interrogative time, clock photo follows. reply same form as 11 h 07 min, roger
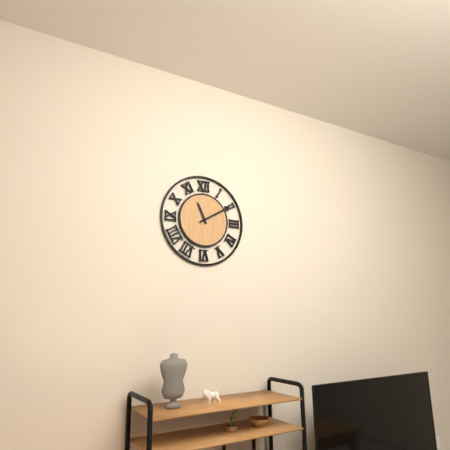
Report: 11 h 10 min
